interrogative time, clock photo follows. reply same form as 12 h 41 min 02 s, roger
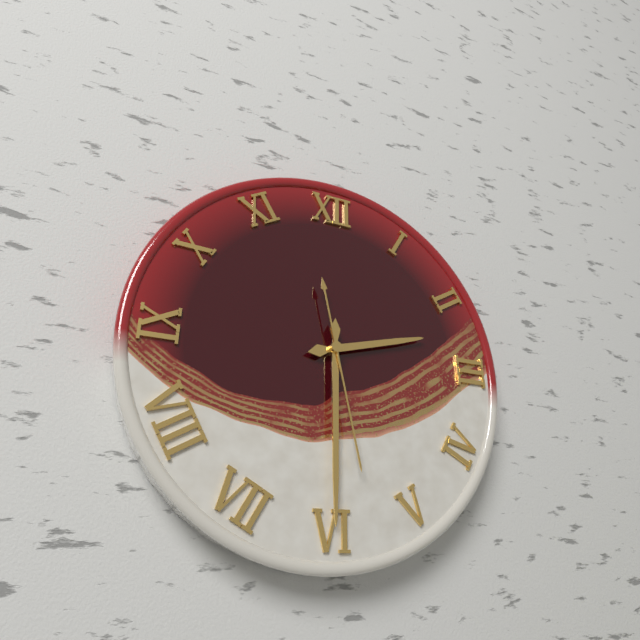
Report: 2 h 30 min 28 s
